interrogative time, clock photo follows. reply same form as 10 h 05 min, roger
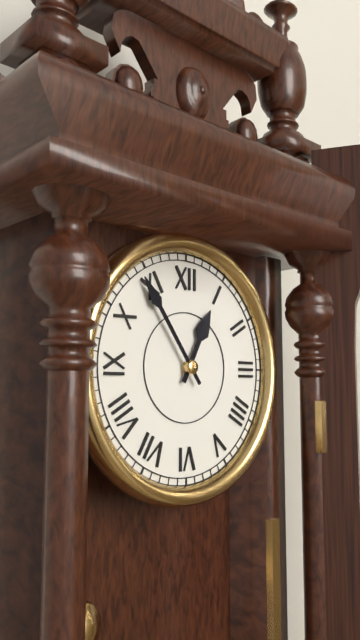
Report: 12 h 54 min
